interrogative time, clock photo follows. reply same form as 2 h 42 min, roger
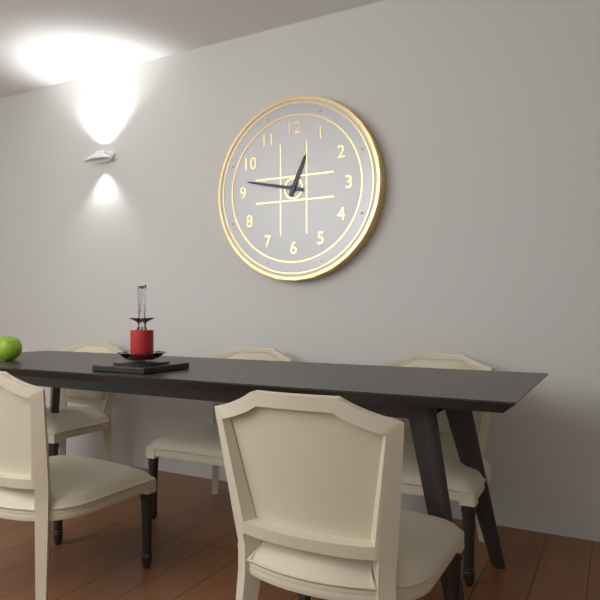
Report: 12 h 47 min
